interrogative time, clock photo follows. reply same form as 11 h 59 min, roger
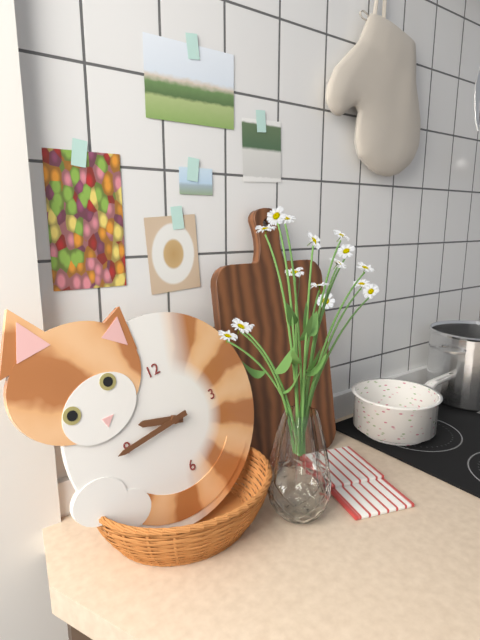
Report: 9 h 45 min
